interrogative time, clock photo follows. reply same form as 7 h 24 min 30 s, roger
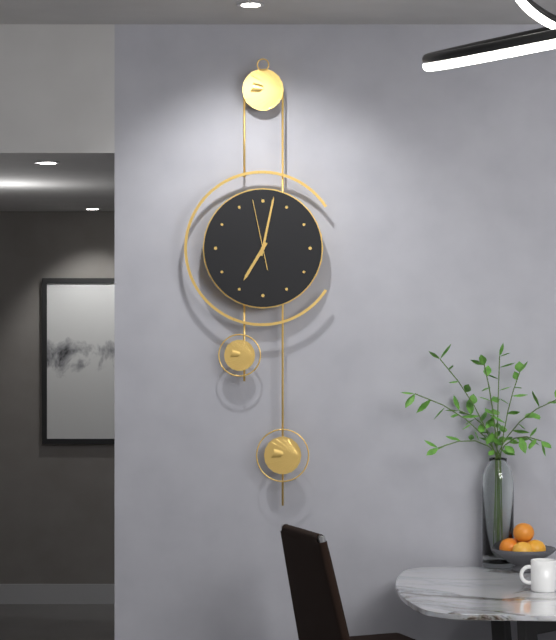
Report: 7 h 02 min 58 s
